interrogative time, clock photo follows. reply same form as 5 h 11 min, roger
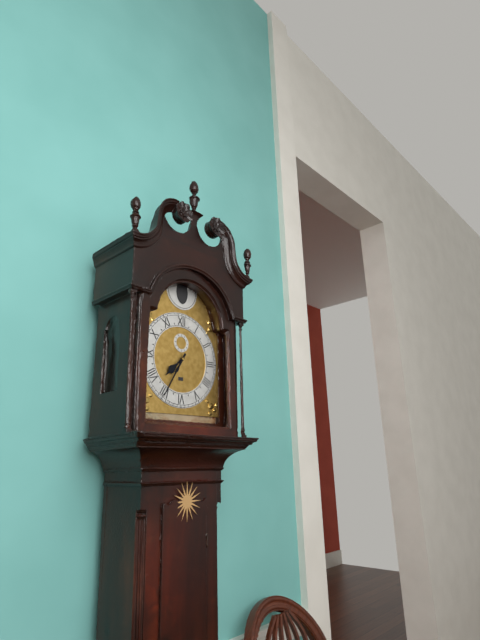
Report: 7 h 35 min
